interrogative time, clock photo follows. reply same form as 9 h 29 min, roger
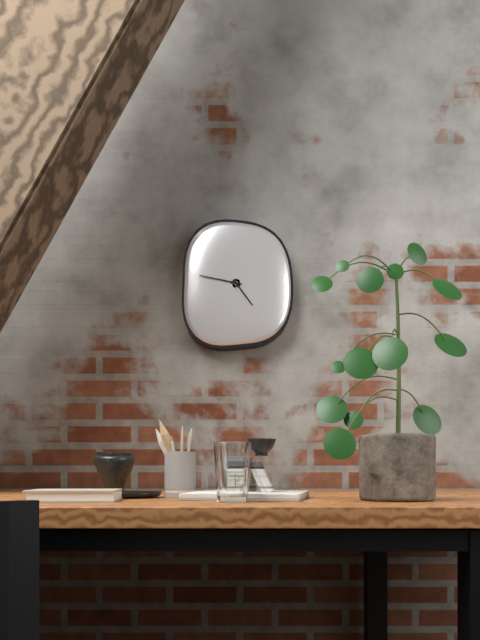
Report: 4 h 47 min
